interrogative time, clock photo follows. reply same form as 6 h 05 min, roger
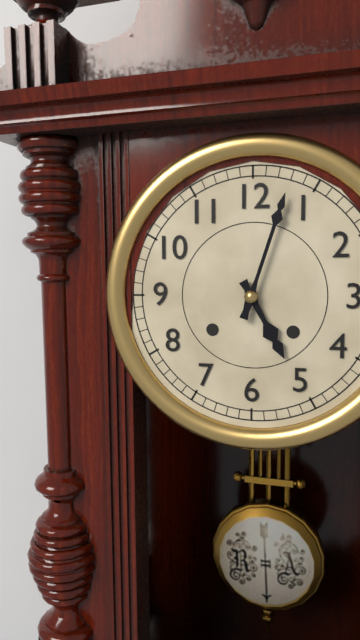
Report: 5 h 03 min
